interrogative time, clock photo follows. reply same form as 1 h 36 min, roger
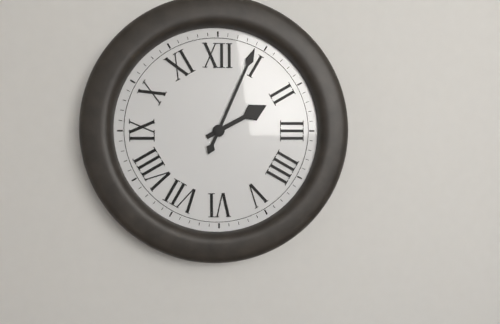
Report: 2 h 04 min
